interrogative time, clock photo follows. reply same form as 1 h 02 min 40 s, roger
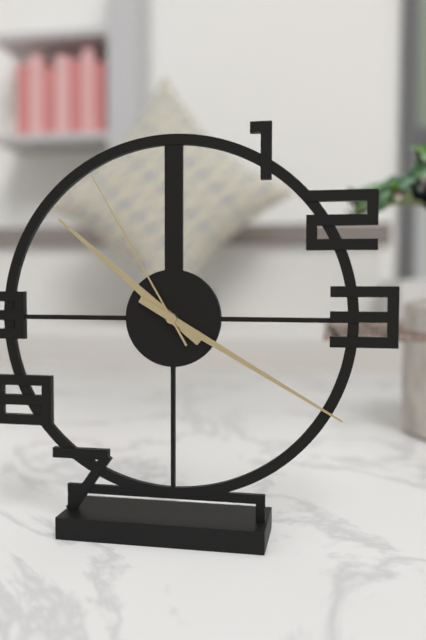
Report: 10 h 20 min 55 s
